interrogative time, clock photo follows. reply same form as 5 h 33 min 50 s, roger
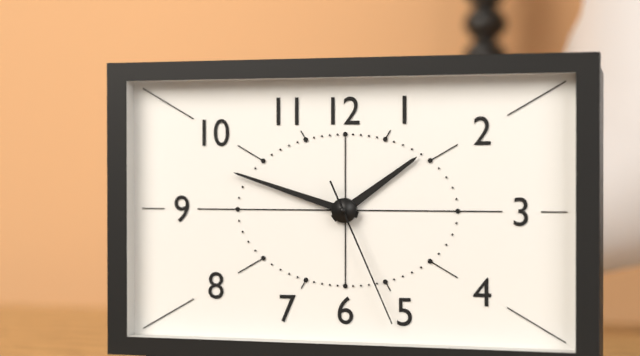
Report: 1 h 48 min 26 s
